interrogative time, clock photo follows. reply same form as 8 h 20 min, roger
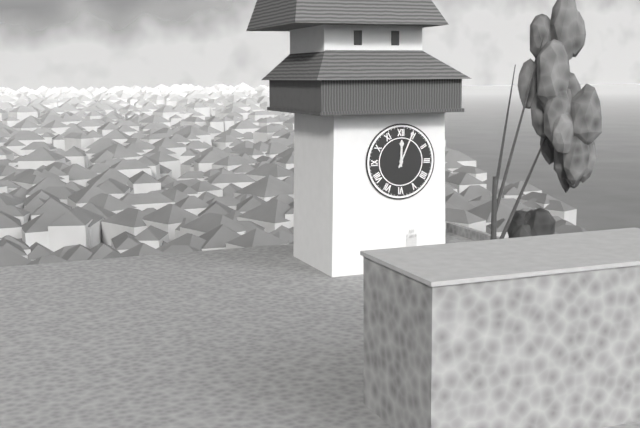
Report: 12 h 04 min
